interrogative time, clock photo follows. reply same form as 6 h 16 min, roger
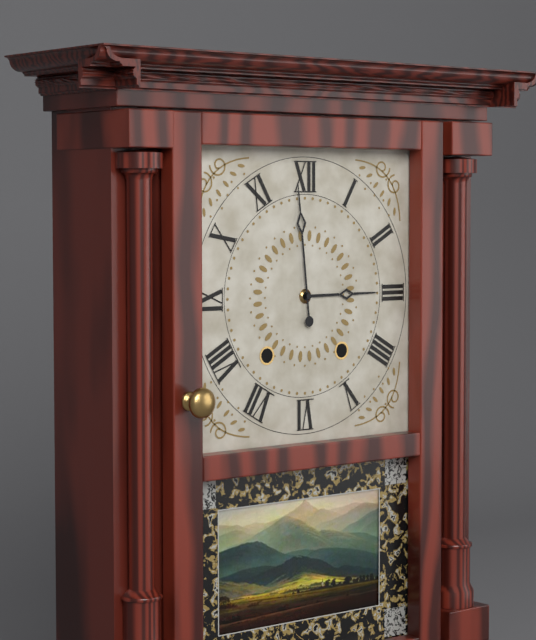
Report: 2 h 59 min
